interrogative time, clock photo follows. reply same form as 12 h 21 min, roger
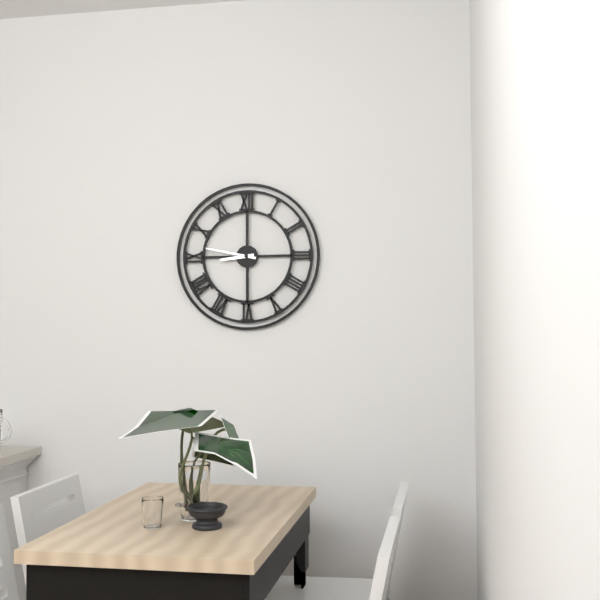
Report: 8 h 47 min
